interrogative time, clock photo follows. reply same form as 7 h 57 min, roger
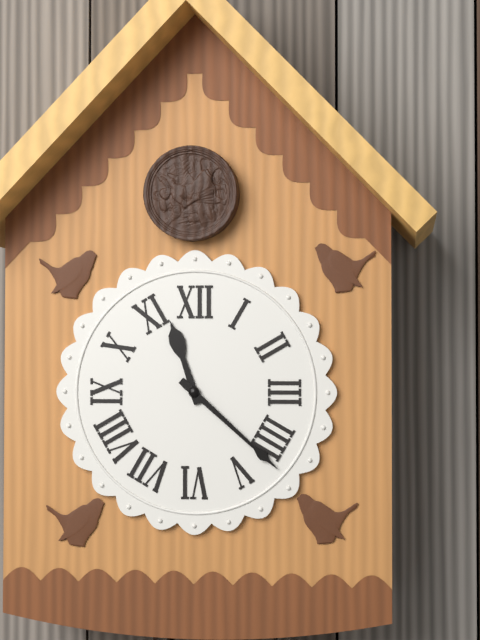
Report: 11 h 22 min
